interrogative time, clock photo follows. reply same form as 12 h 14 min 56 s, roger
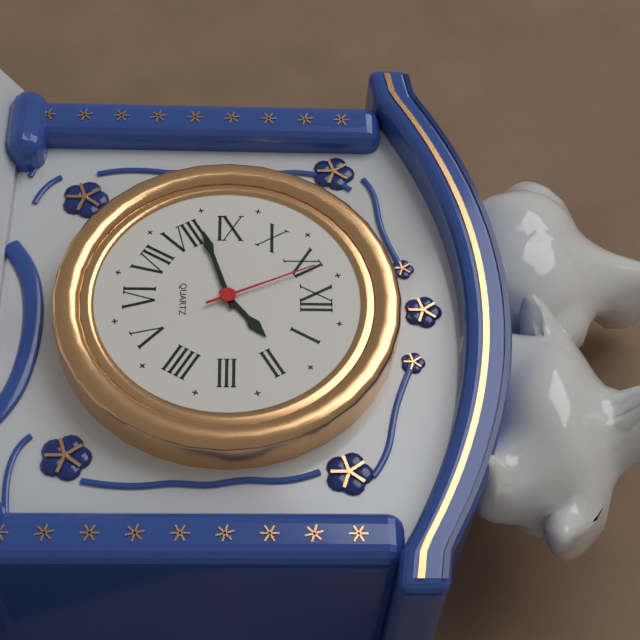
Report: 1 h 42 min 56 s
